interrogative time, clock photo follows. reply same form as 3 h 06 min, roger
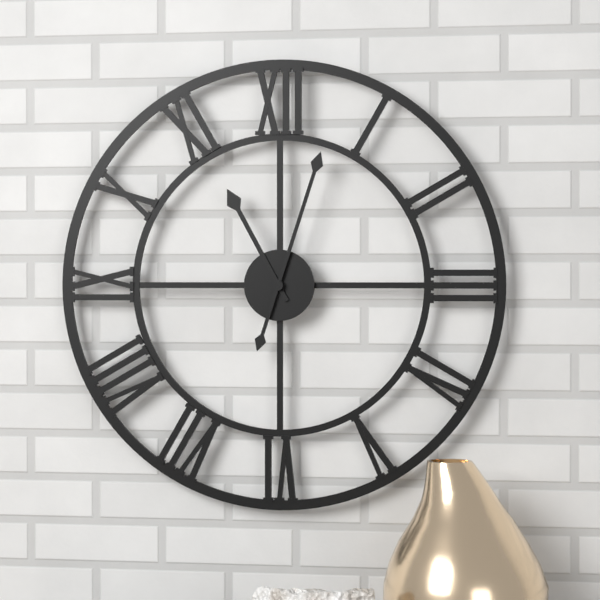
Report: 11 h 03 min
